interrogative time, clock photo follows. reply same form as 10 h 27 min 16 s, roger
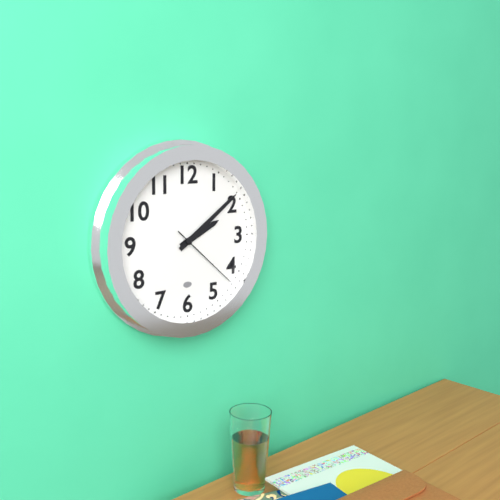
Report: 2 h 09 min 22 s
